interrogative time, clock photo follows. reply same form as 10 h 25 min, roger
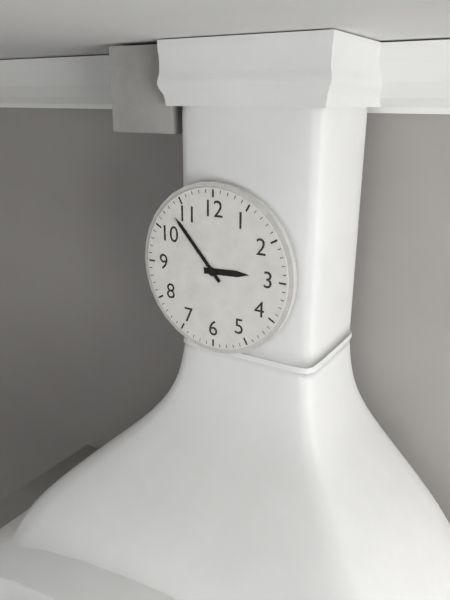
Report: 2 h 53 min
